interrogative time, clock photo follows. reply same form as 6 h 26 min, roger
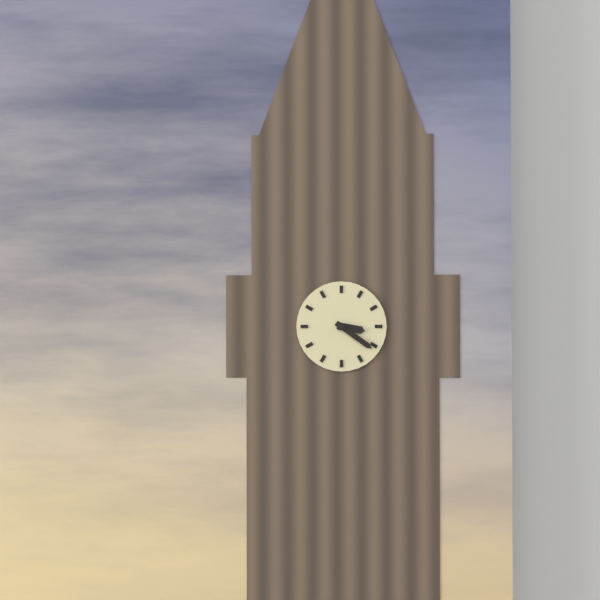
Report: 3 h 21 min
